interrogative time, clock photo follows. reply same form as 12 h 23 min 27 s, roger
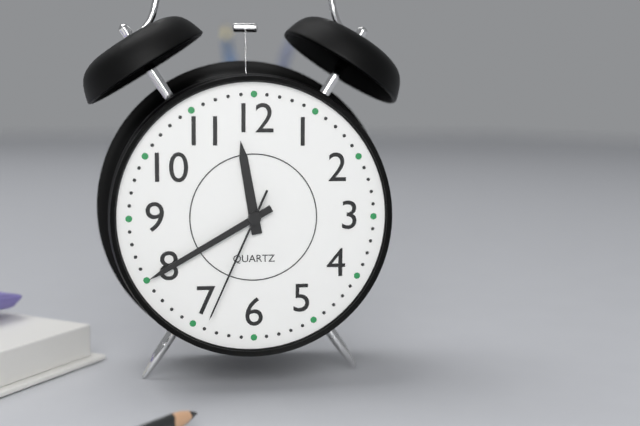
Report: 11 h 40 min 34 s
